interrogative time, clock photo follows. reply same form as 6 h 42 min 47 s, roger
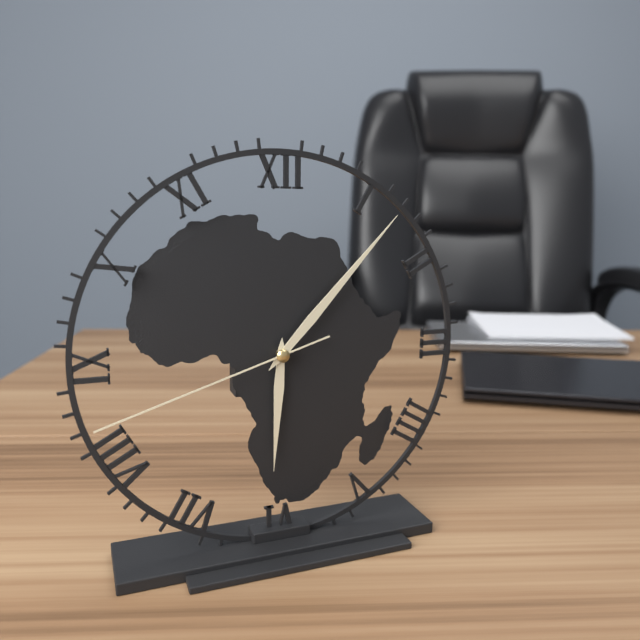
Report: 6 h 07 min 42 s
